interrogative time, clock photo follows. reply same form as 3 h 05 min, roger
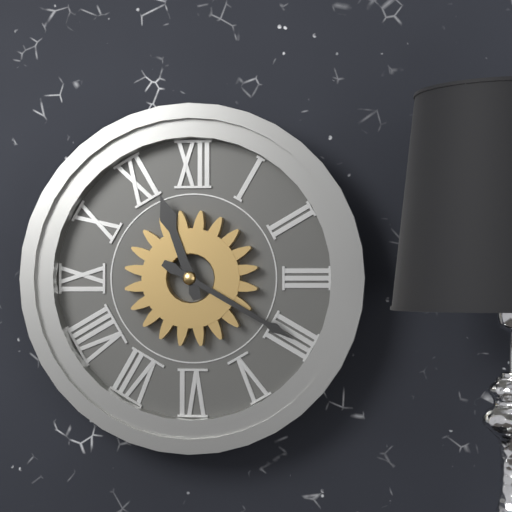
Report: 11 h 20 min
